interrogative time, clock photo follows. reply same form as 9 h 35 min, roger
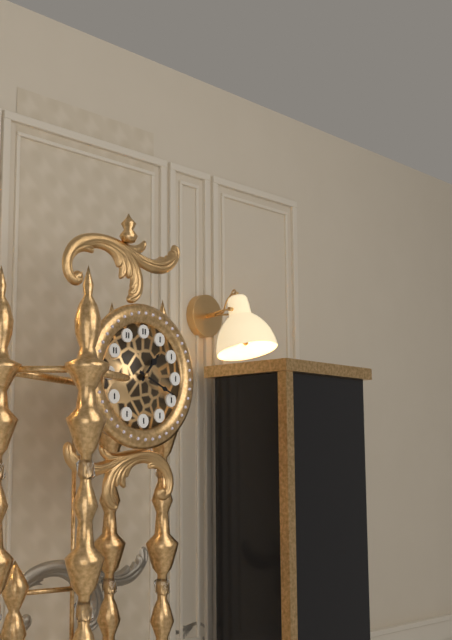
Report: 1 h 19 min
